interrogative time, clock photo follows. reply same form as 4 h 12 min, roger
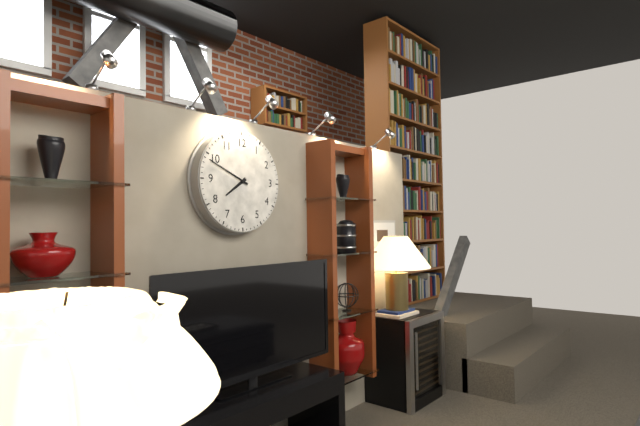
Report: 7 h 49 min
